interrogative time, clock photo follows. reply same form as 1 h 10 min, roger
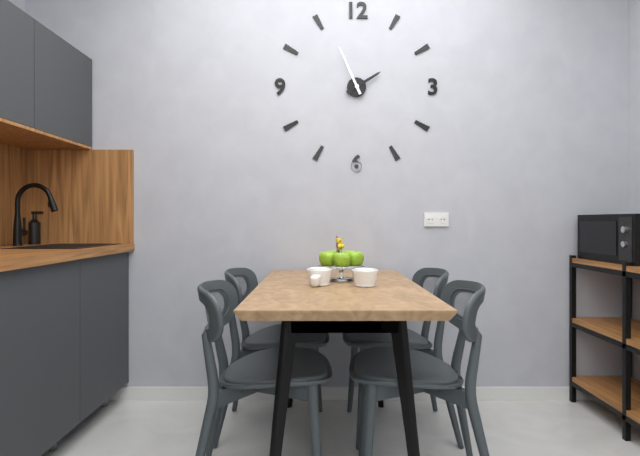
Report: 1 h 56 min
